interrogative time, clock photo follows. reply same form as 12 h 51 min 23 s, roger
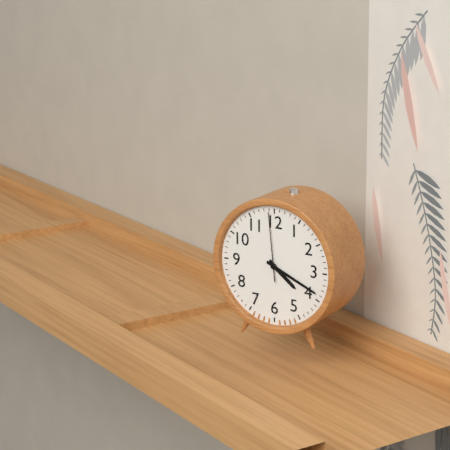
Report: 4 h 19 min 59 s
